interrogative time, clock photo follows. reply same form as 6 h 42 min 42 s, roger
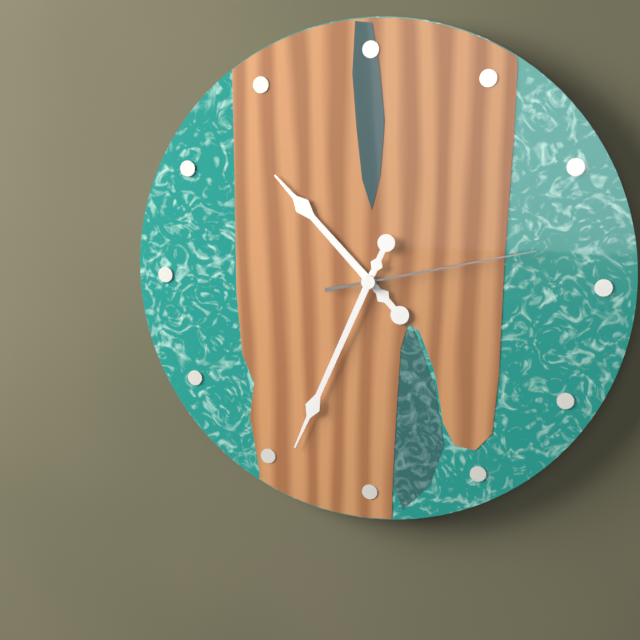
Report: 10 h 34 min 13 s
